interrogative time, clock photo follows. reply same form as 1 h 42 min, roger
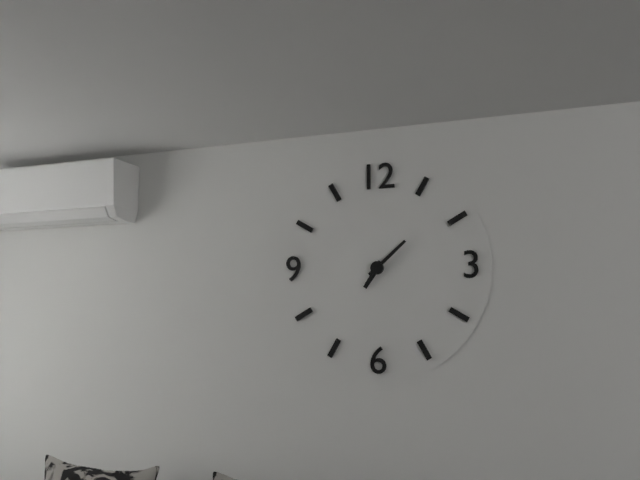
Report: 7 h 08 min
